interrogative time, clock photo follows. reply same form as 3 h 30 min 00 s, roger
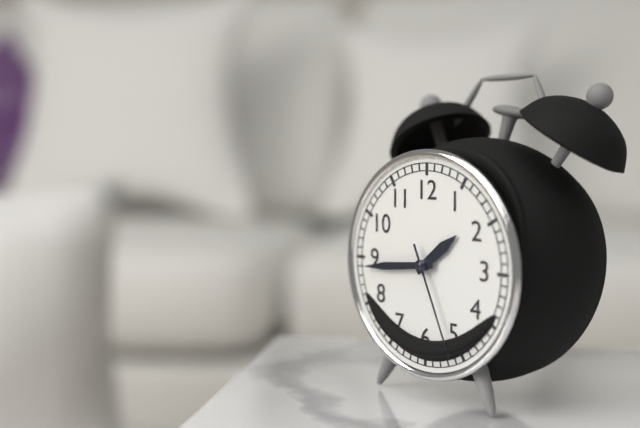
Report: 1 h 44 min 26 s
